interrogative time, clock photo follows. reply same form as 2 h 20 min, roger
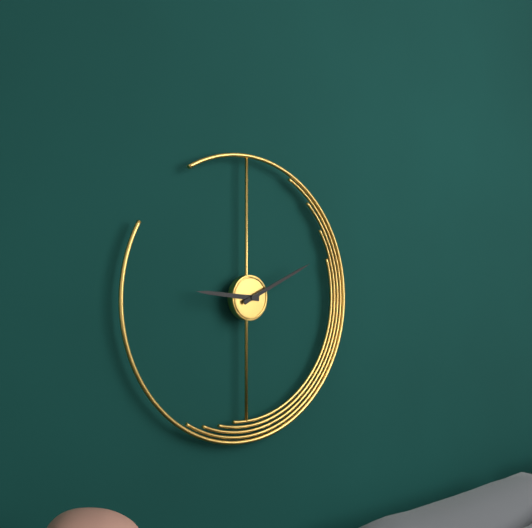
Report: 9 h 11 min
